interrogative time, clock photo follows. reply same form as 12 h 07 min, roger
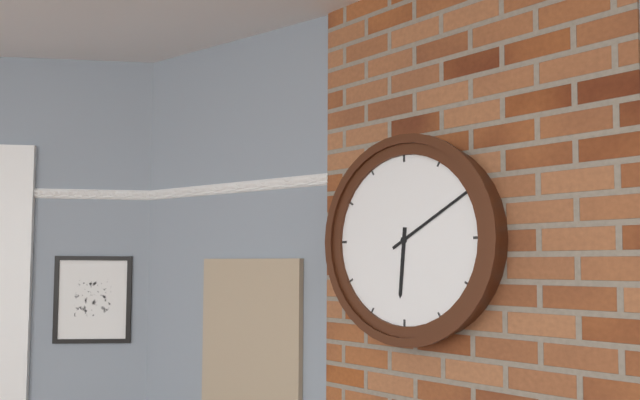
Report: 6 h 10 min
